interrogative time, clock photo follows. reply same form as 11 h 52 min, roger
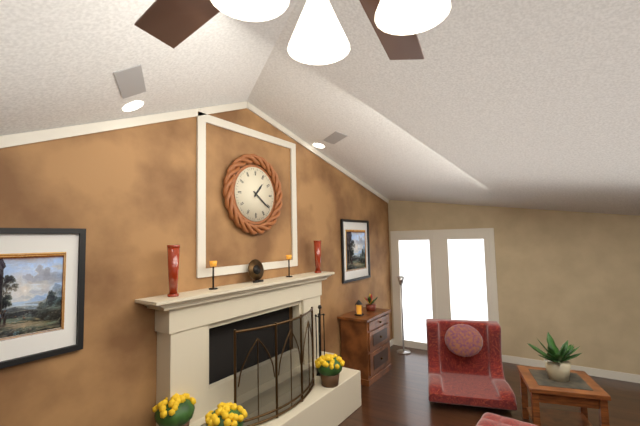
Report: 1 h 21 min
